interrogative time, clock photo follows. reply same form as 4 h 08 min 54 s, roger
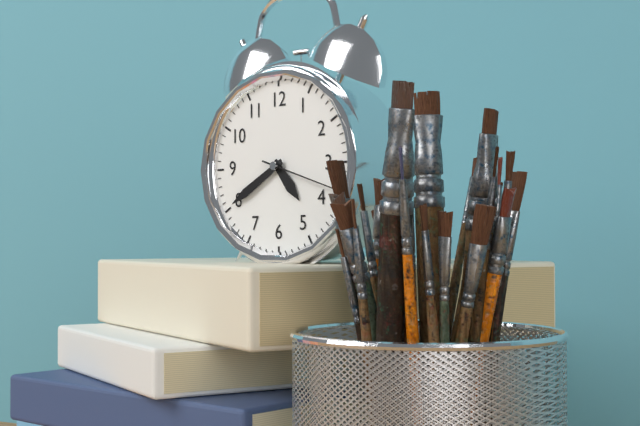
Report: 4 h 40 min 18 s
